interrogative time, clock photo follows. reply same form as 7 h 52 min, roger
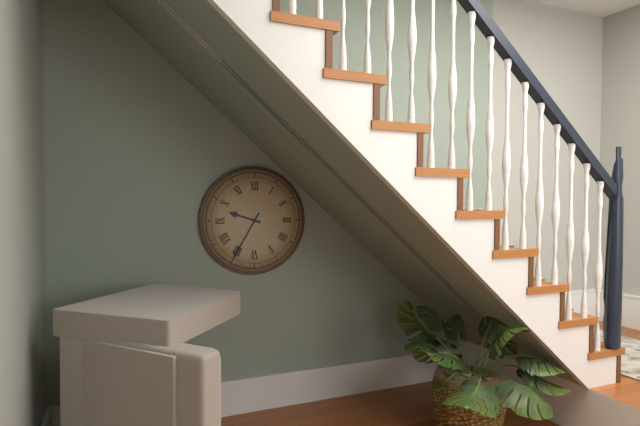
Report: 9 h 35 min
